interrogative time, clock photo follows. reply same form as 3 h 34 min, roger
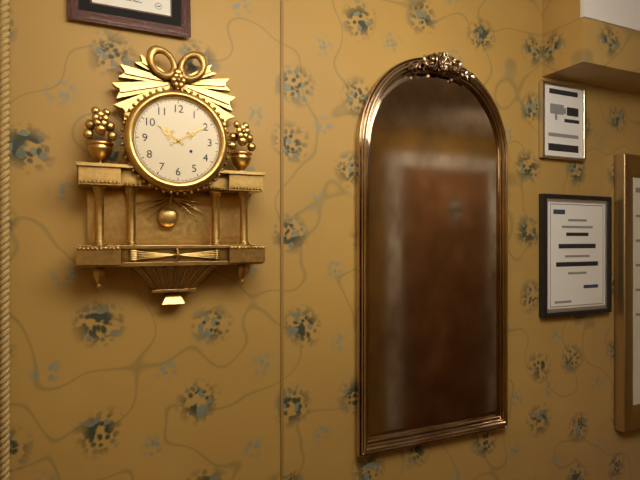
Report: 10 h 10 min
